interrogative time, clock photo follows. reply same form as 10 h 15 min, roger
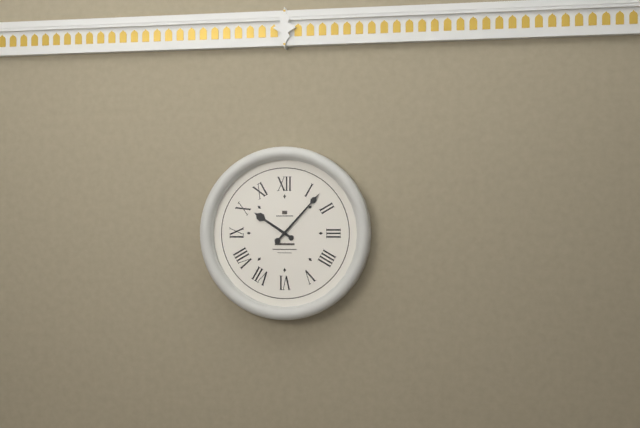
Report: 10 h 07 min
